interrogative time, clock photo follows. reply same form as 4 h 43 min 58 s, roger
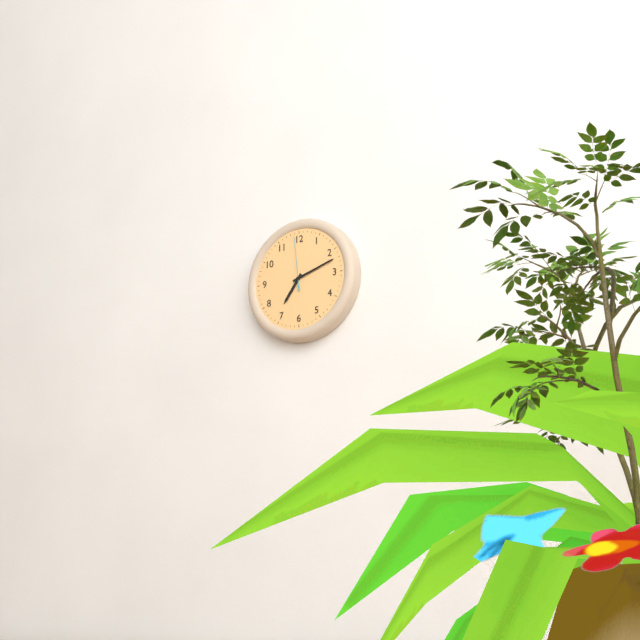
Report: 7 h 12 min 59 s
